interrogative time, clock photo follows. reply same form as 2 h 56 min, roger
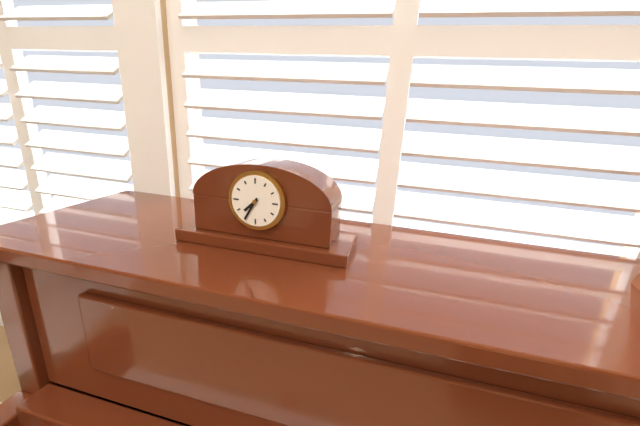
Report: 7 h 35 min
